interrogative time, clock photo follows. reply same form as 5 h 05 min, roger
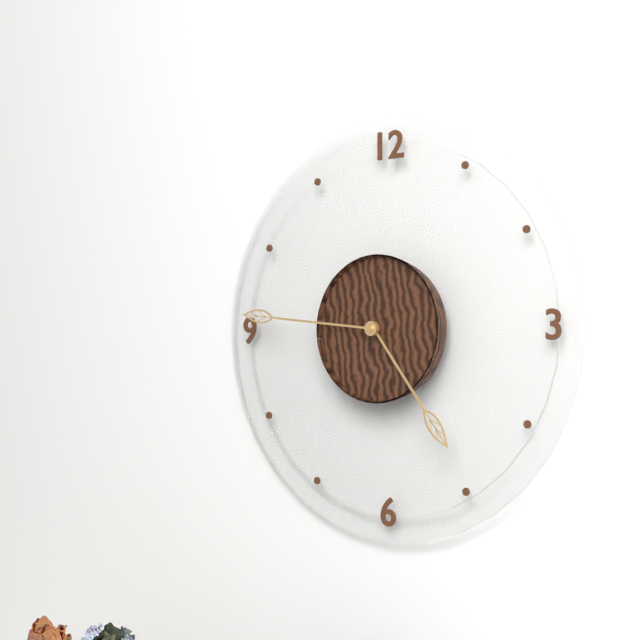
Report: 4 h 46 min
